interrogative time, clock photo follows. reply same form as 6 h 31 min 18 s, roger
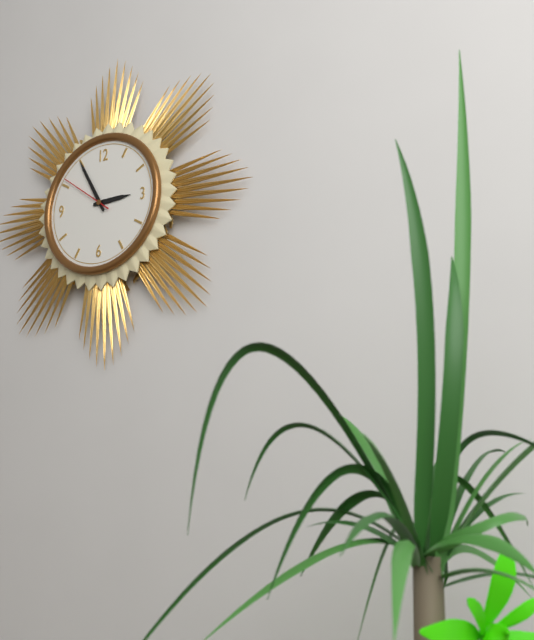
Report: 2 h 55 min 51 s
